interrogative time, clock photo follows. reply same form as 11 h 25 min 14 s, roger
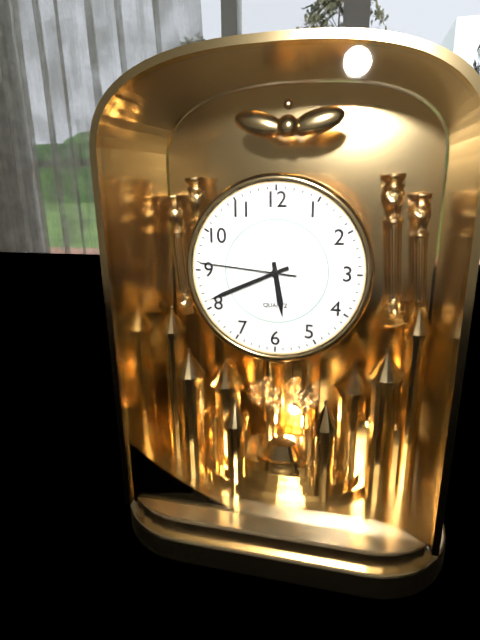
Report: 5 h 41 min 46 s
